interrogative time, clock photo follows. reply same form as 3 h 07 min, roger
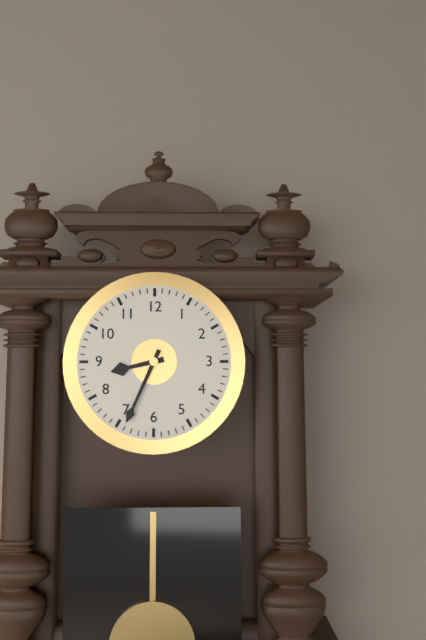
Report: 8 h 34 min
